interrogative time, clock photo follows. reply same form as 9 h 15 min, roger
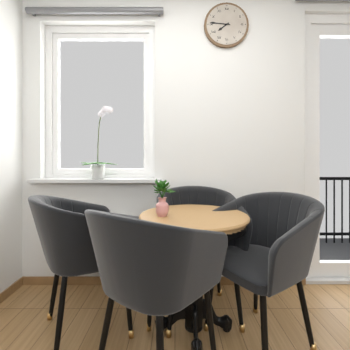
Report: 7 h 46 min
